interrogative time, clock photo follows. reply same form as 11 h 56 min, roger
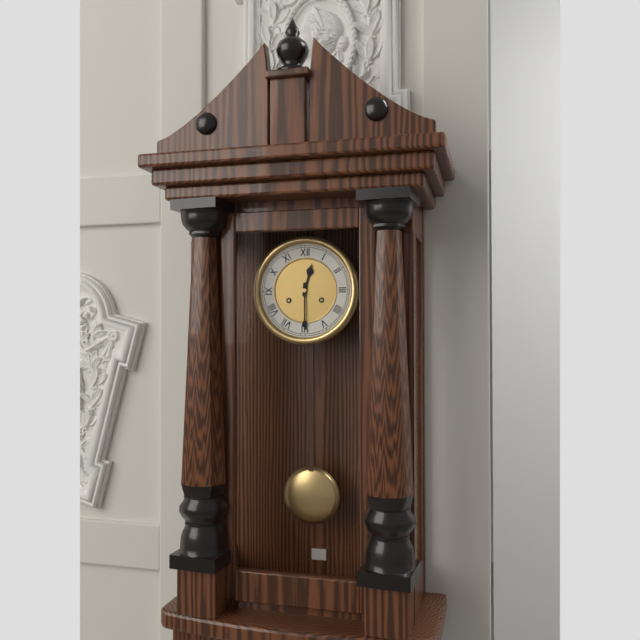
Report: 12 h 30 min
